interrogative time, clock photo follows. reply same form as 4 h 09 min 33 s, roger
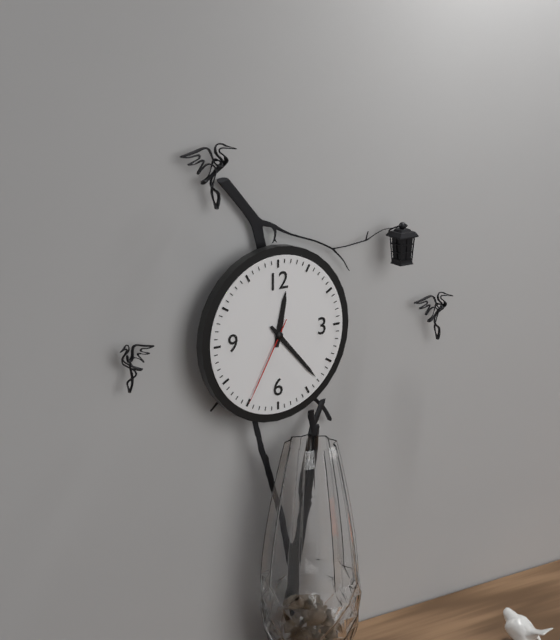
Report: 12 h 23 min 35 s
